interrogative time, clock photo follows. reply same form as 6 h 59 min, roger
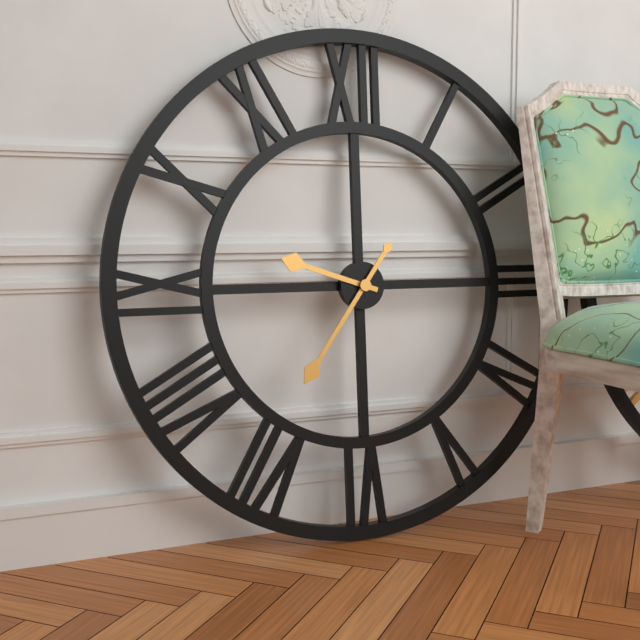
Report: 9 h 36 min
